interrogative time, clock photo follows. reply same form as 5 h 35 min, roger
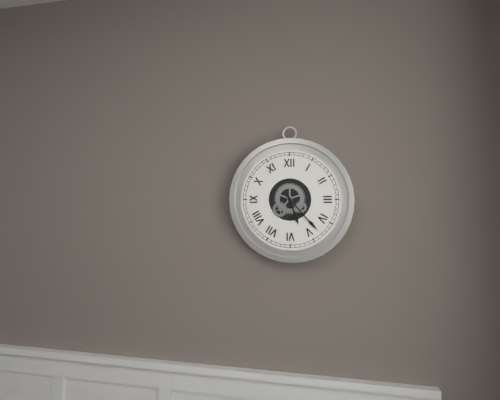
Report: 5 h 23 min
